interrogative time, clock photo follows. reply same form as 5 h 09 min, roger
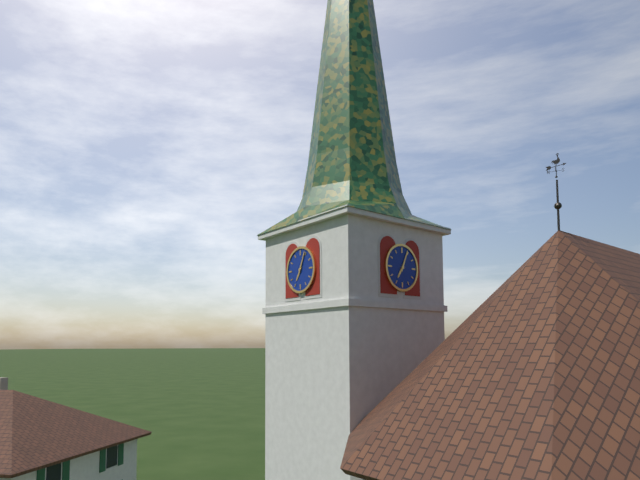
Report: 7 h 04 min
